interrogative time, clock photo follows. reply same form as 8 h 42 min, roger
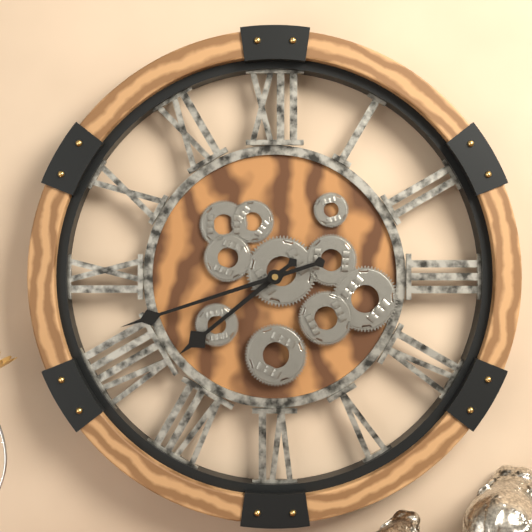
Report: 7 h 42 min
